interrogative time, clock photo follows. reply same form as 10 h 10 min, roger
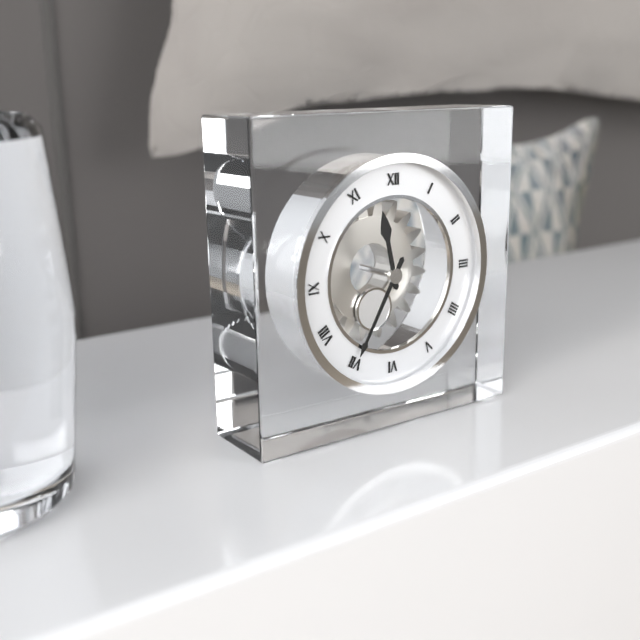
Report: 11 h 35 min
